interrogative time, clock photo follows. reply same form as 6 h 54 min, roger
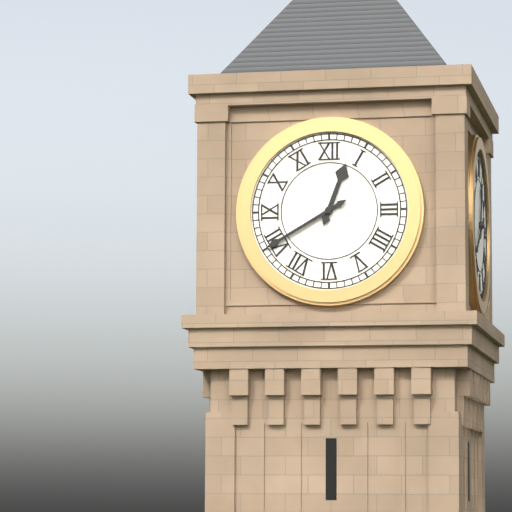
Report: 12 h 40 min
